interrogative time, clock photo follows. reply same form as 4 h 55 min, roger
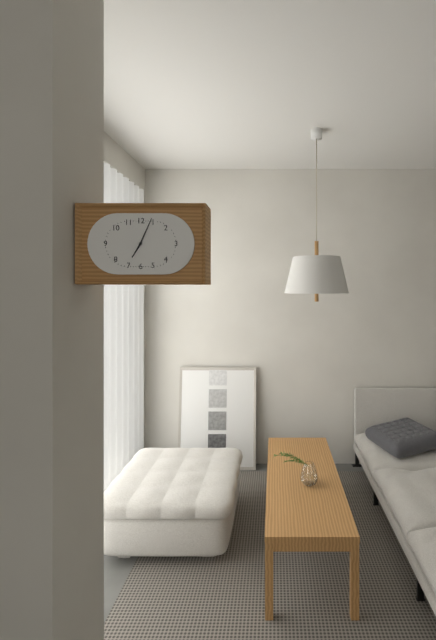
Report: 7 h 04 min
